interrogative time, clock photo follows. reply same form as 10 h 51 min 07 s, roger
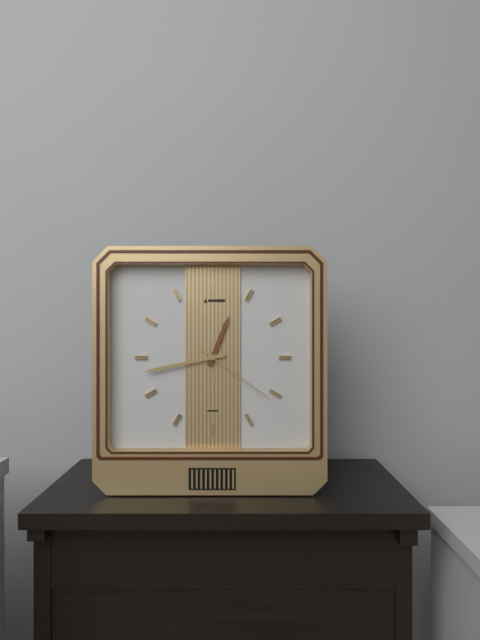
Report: 12 h 43 min 21 s
